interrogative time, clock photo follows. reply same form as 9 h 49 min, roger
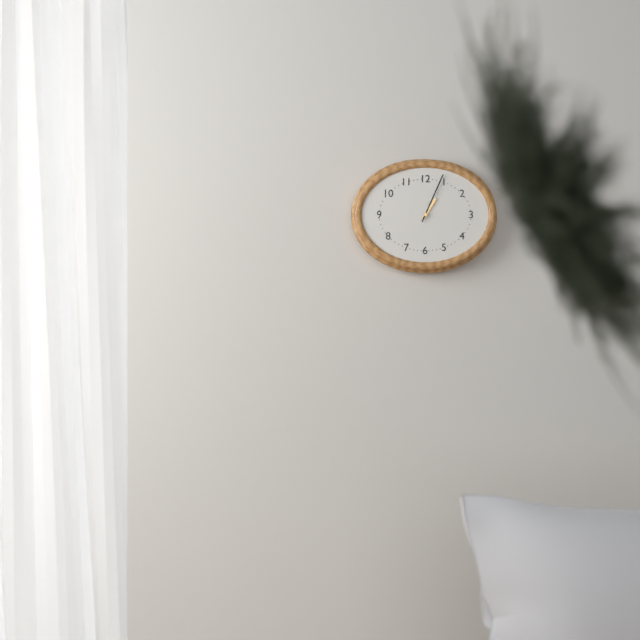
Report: 1 h 04 min
